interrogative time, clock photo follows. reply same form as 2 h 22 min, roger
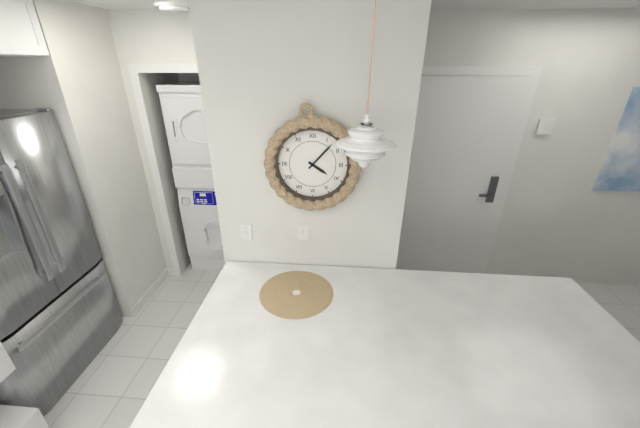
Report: 4 h 07 min
